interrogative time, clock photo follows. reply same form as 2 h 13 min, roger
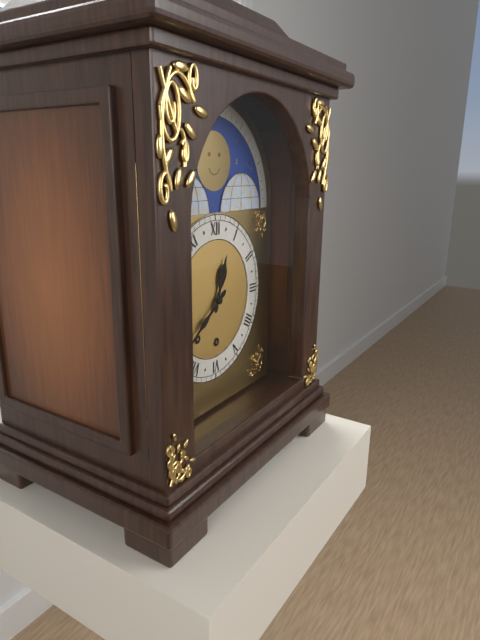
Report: 12 h 39 min
